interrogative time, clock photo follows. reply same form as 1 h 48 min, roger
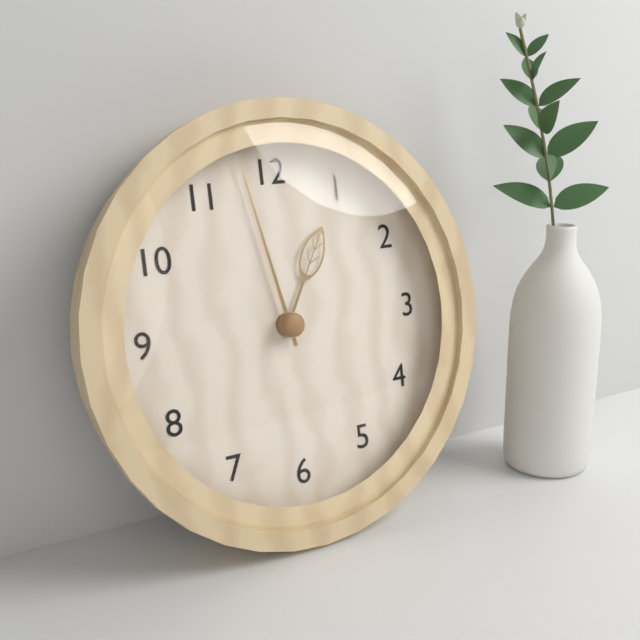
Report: 12 h 58 min
